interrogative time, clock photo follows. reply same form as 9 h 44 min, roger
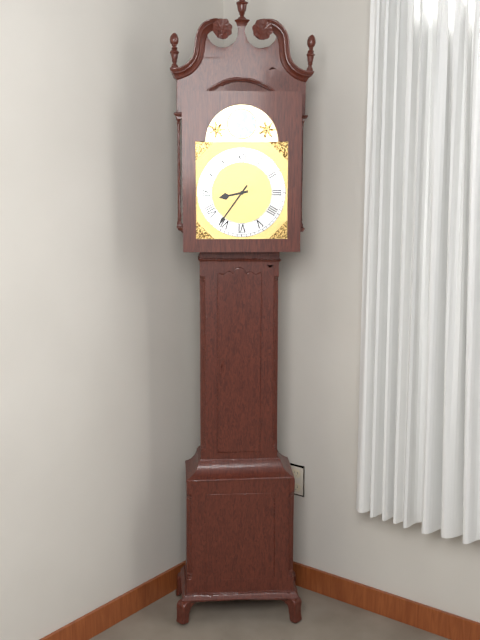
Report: 8 h 36 min
